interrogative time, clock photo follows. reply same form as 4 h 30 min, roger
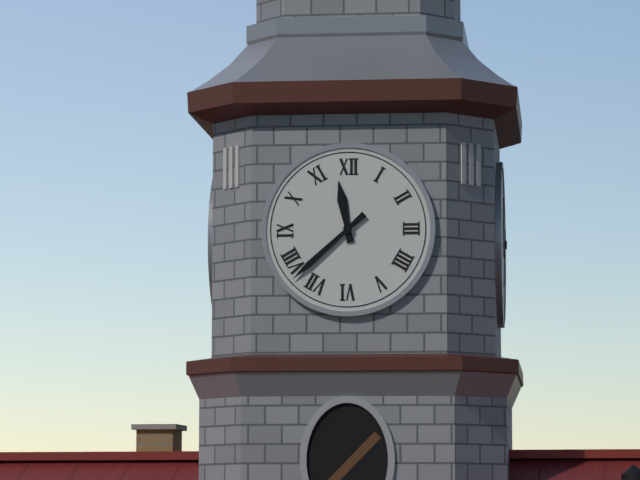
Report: 11 h 38 min
